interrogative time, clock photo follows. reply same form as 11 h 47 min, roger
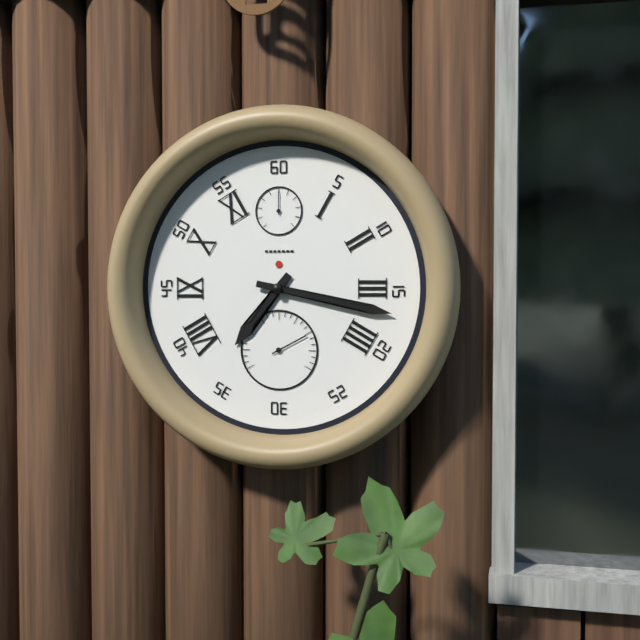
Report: 7 h 17 min
